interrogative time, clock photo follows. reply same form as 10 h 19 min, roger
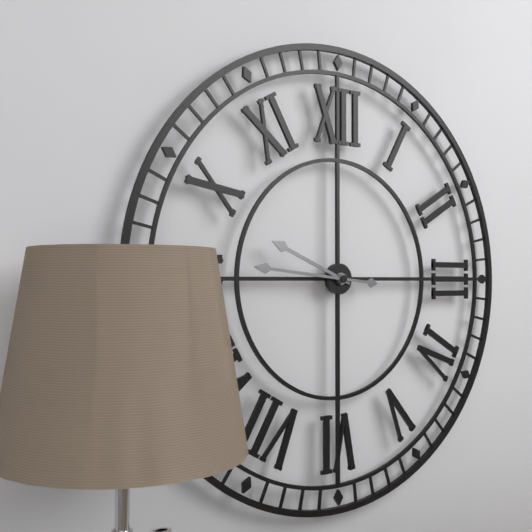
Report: 9 h 46 min
